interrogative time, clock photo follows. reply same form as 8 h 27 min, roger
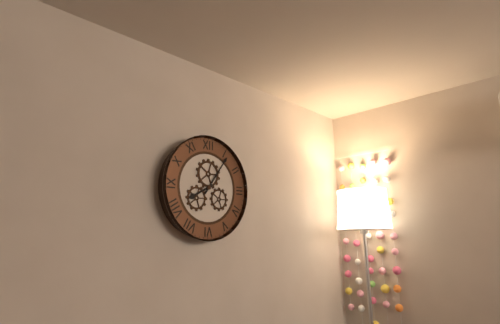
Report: 8 h 06 min
